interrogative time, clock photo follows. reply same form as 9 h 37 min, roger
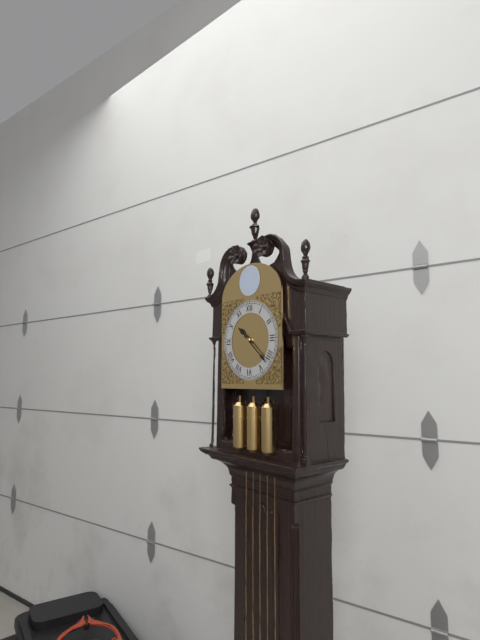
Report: 10 h 22 min
